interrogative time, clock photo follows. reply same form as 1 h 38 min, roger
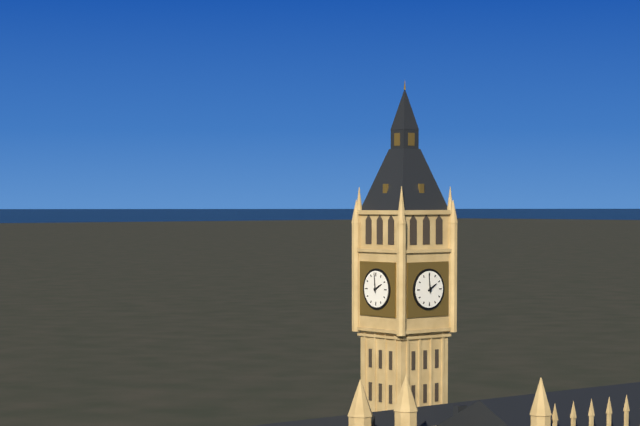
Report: 1 h 59 min
